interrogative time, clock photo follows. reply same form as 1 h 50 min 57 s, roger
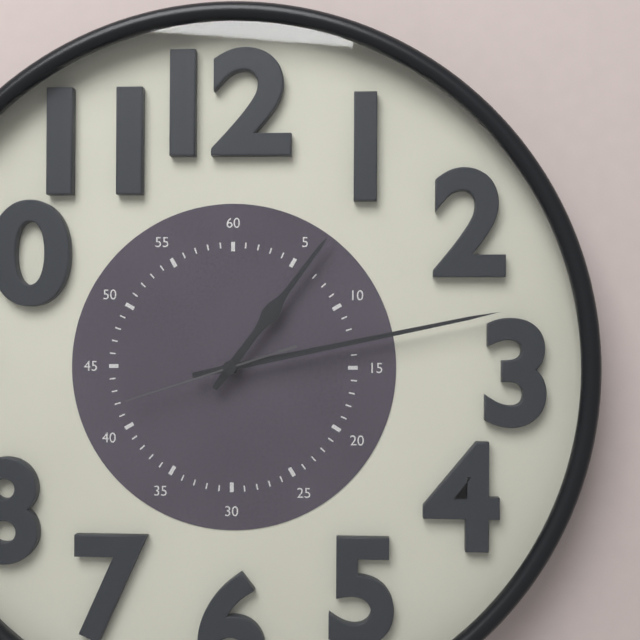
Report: 1 h 13 min 42 s
